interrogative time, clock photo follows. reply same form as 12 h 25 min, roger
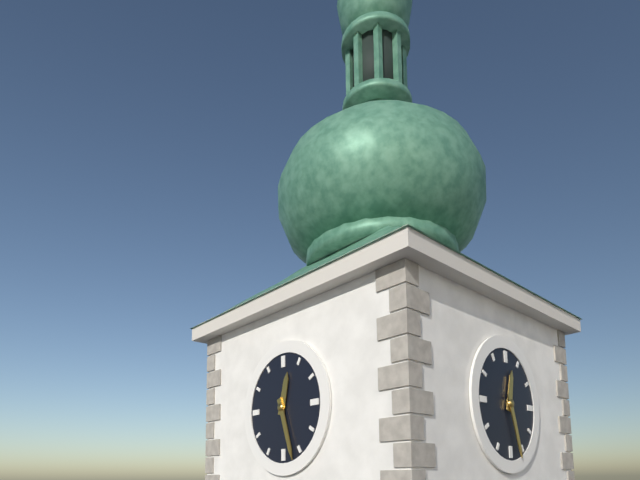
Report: 12 h 27 min
